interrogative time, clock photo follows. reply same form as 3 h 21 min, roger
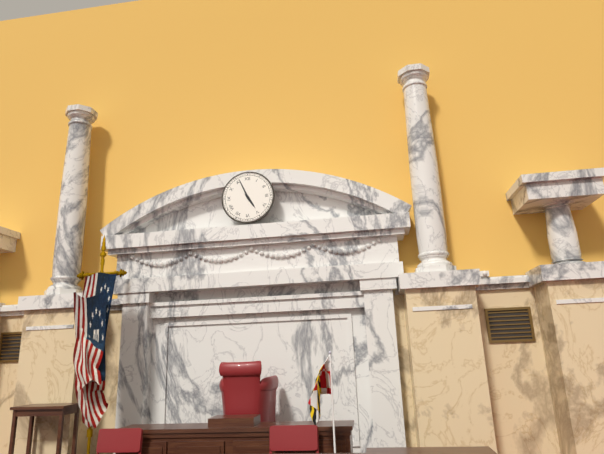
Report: 4 h 56 min
